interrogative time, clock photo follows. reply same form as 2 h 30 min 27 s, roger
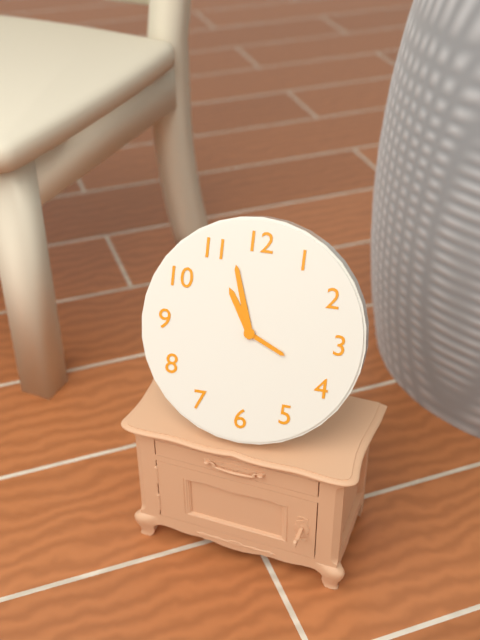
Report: 10 h 57 min 19 s
